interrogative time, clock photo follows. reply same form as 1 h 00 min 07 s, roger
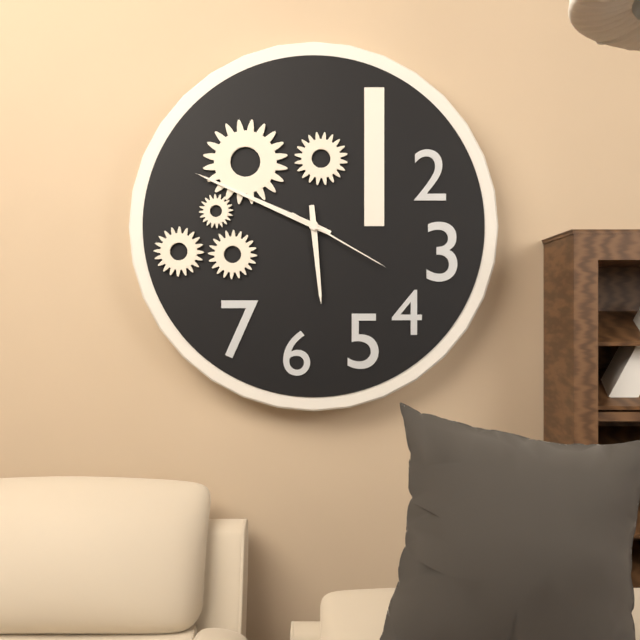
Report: 5 h 49 min 20 s
